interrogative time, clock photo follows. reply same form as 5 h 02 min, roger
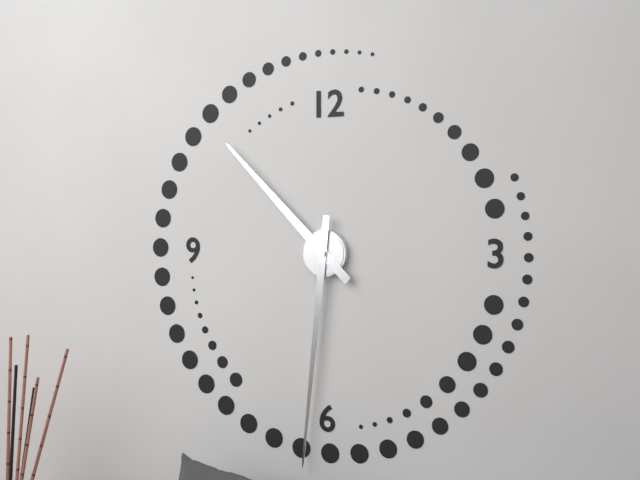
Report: 10 h 31 min
